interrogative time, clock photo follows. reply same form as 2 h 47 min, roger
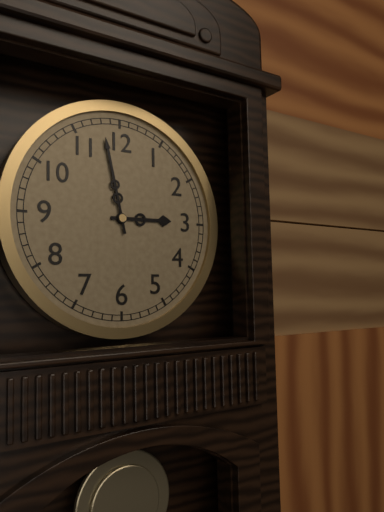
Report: 2 h 58 min
